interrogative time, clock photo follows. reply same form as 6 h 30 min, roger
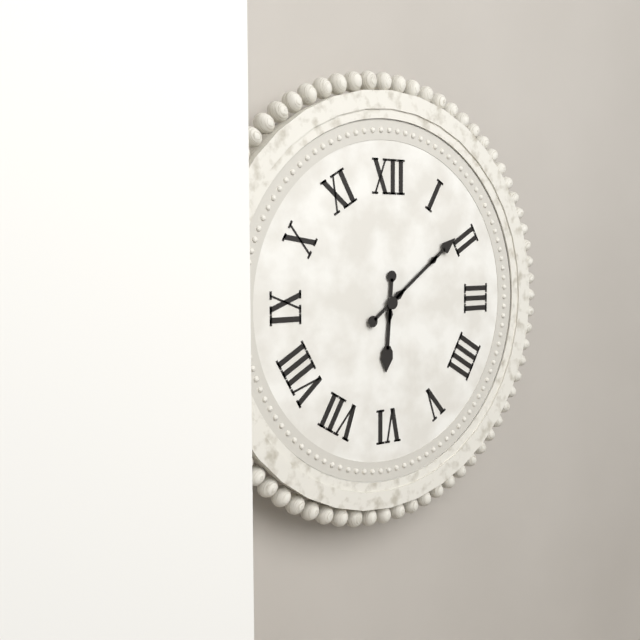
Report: 6 h 09 min
